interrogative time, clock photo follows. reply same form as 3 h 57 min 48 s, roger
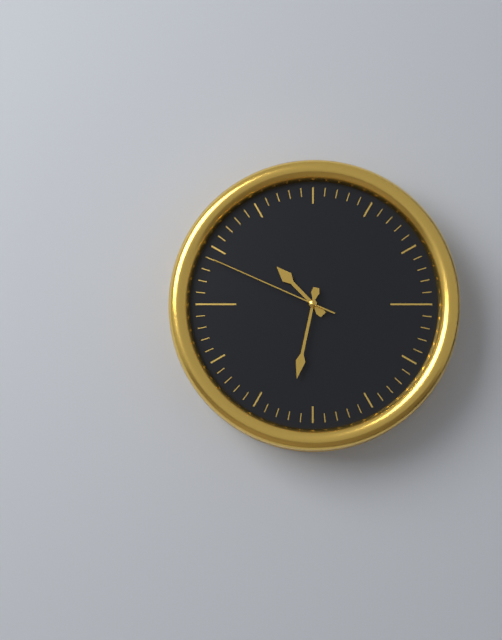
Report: 10 h 32 min 49 s
